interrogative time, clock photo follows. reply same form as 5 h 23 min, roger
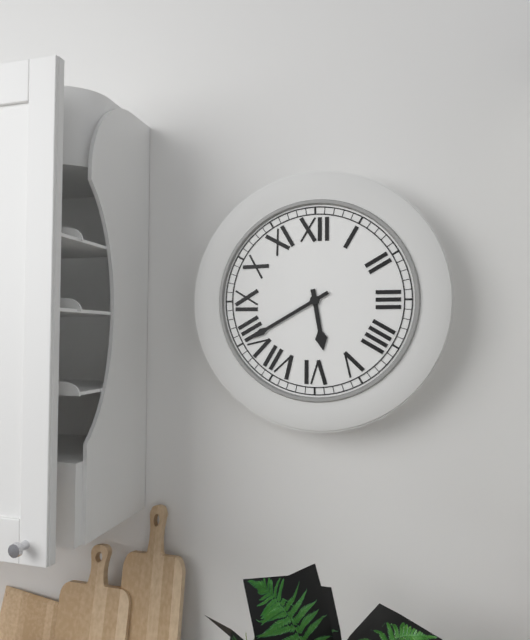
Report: 5 h 40 min
